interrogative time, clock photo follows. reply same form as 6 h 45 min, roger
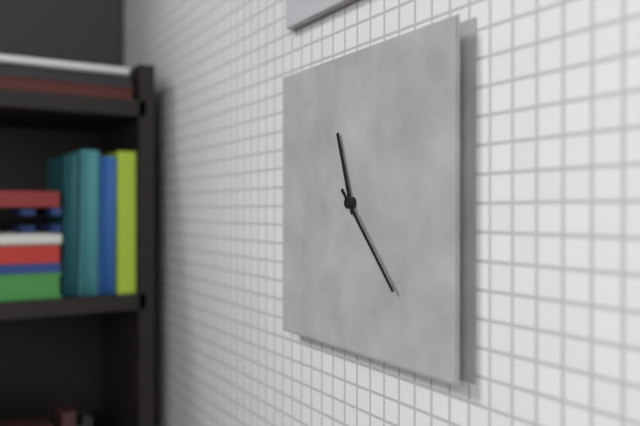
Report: 11 h 23 min
